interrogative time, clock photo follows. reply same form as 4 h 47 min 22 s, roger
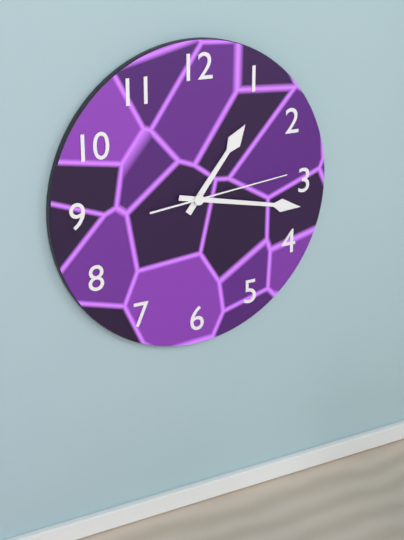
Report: 1 h 17 min 14 s
